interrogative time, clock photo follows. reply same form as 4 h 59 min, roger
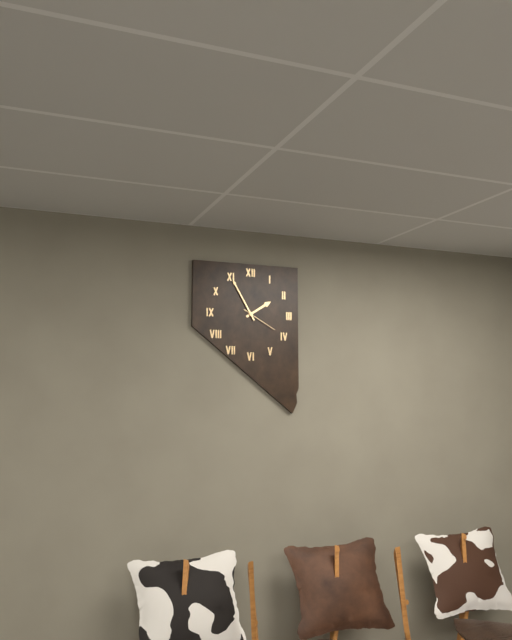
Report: 1 h 55 min
